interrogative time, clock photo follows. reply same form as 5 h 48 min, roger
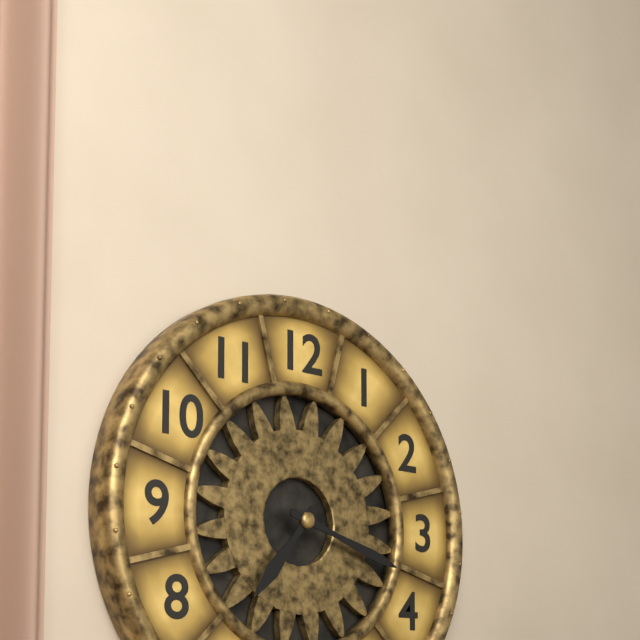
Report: 7 h 18 min
